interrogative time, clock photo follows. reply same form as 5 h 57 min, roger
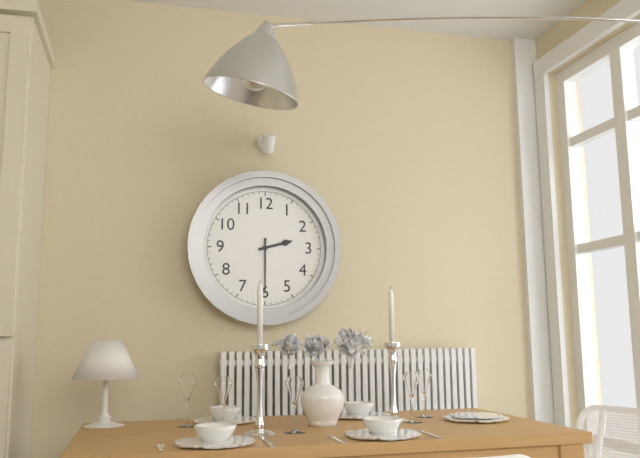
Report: 2 h 30 min
